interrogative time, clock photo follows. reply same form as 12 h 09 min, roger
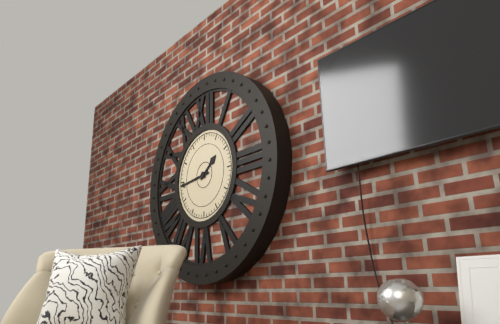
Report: 1 h 44 min
